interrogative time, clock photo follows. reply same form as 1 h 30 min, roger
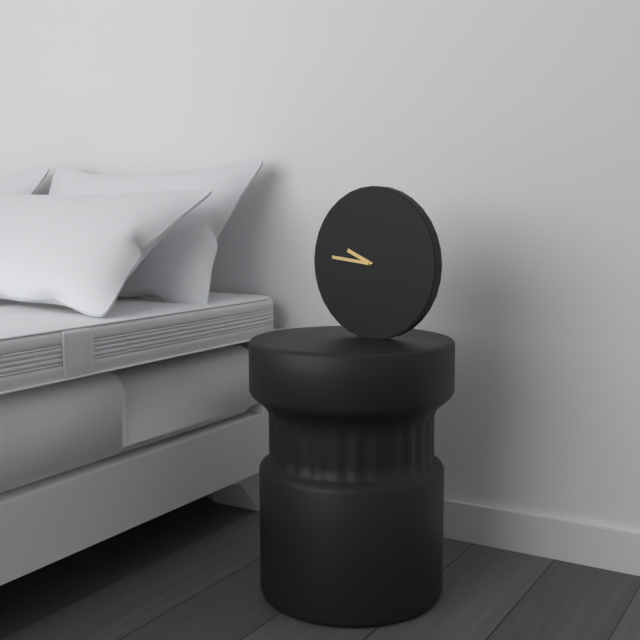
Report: 9 h 46 min
